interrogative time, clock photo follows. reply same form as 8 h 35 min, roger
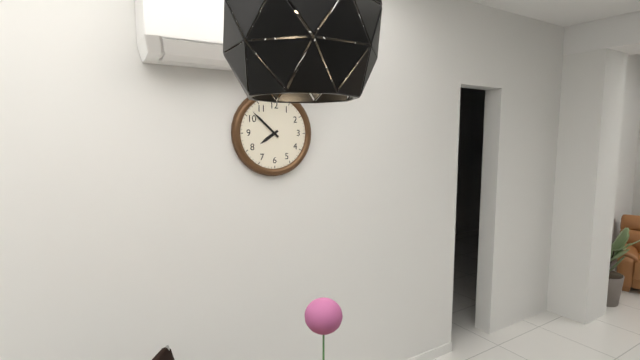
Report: 7 h 52 min
